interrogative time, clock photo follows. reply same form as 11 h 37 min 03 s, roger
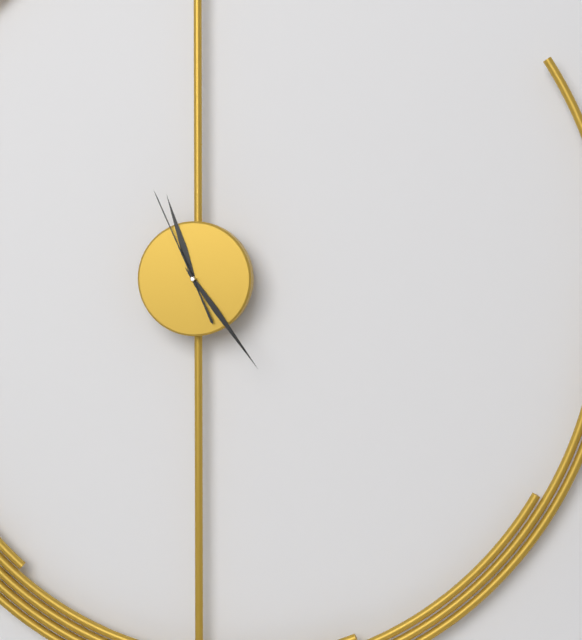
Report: 11 h 24 min 56 s
